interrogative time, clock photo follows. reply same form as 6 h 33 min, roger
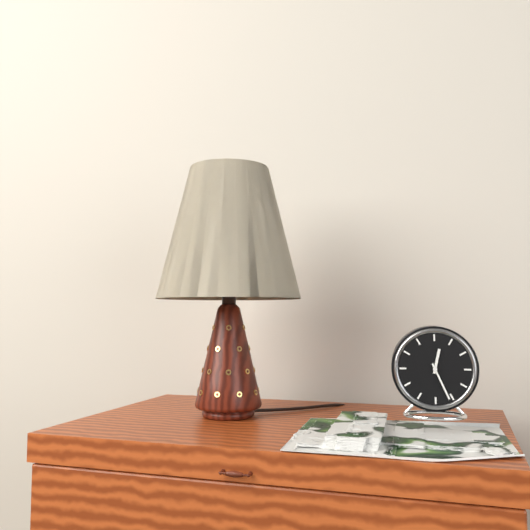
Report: 12 h 26 min
